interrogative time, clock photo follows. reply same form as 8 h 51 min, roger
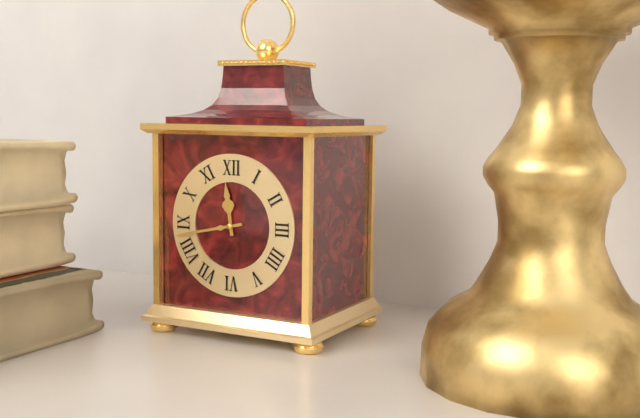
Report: 11 h 43 min
